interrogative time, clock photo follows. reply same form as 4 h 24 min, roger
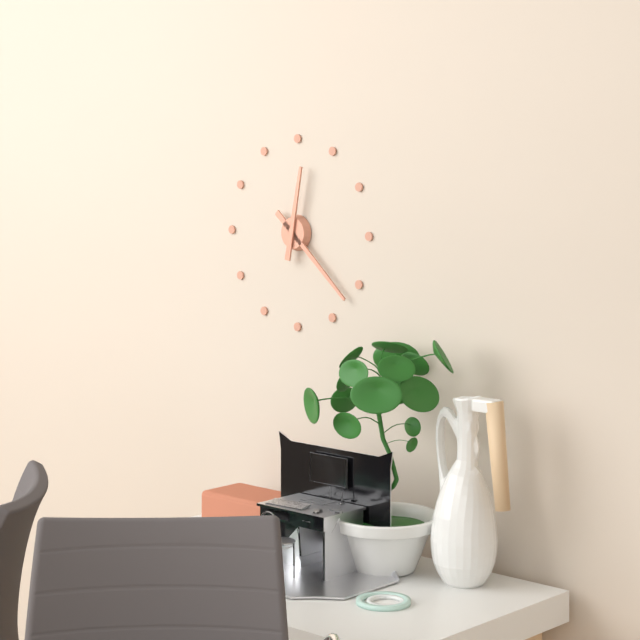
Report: 12 h 22 min
